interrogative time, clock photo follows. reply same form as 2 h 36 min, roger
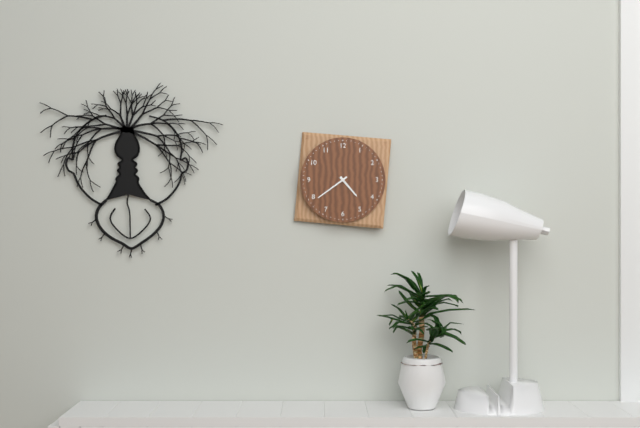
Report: 4 h 39 min
